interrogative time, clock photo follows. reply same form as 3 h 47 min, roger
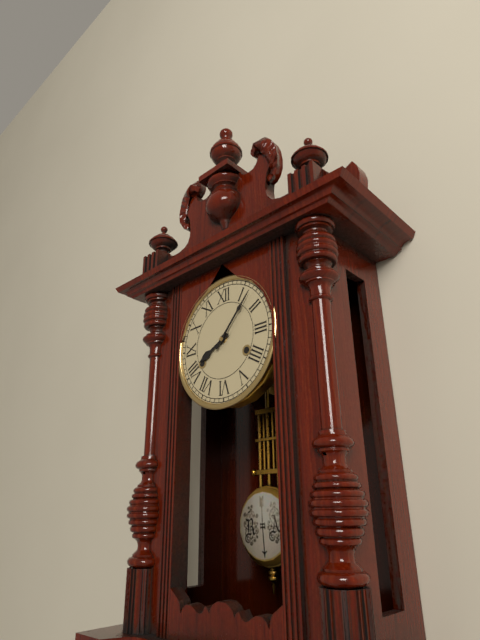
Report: 8 h 07 min
